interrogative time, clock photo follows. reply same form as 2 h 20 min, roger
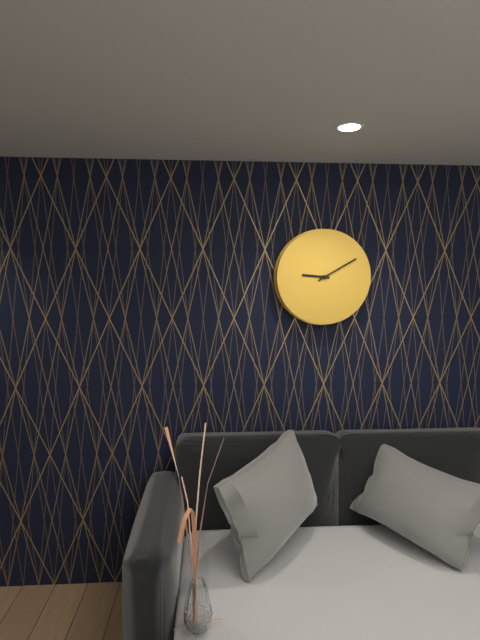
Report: 9 h 10 min
